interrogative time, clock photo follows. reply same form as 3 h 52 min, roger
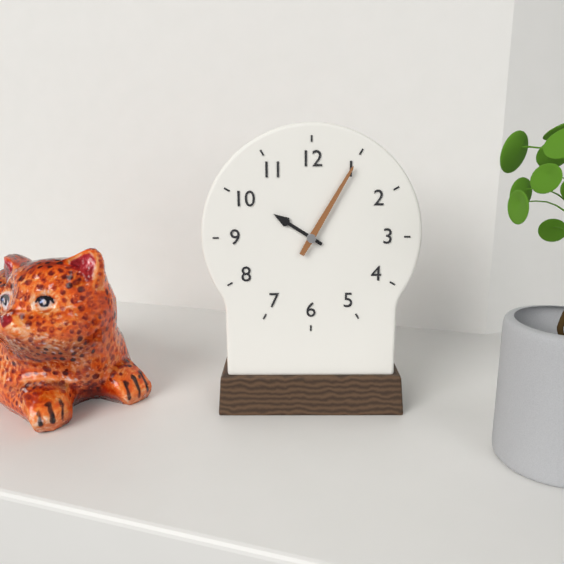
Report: 10 h 05 min
